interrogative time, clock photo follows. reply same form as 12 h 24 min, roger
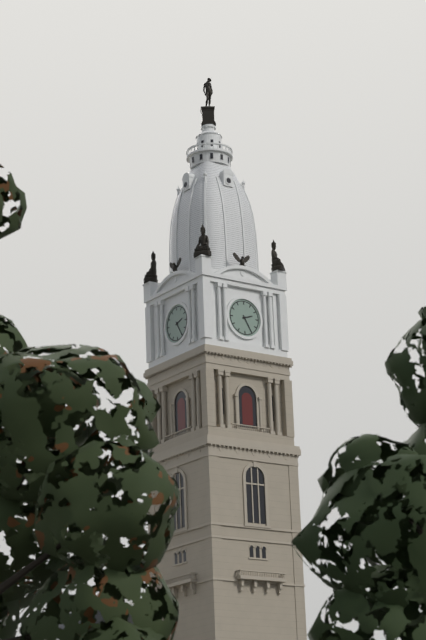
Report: 2 h 25 min
